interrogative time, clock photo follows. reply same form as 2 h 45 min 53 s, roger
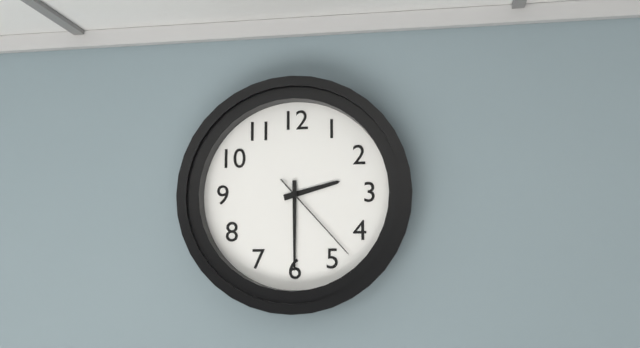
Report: 2 h 30 min 23 s
